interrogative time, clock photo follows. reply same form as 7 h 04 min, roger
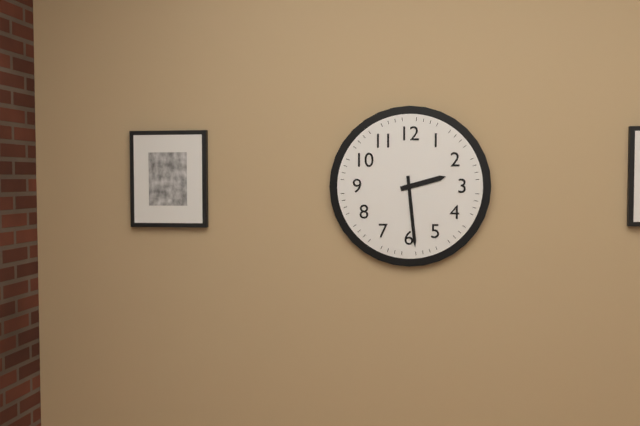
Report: 2 h 29 min
